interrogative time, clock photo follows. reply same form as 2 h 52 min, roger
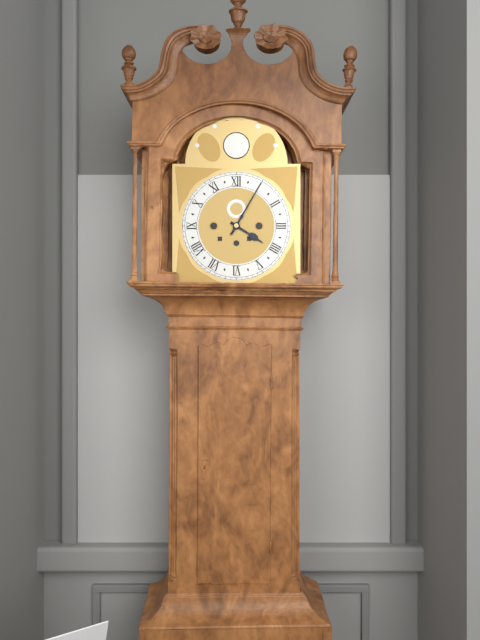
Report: 4 h 05 min
